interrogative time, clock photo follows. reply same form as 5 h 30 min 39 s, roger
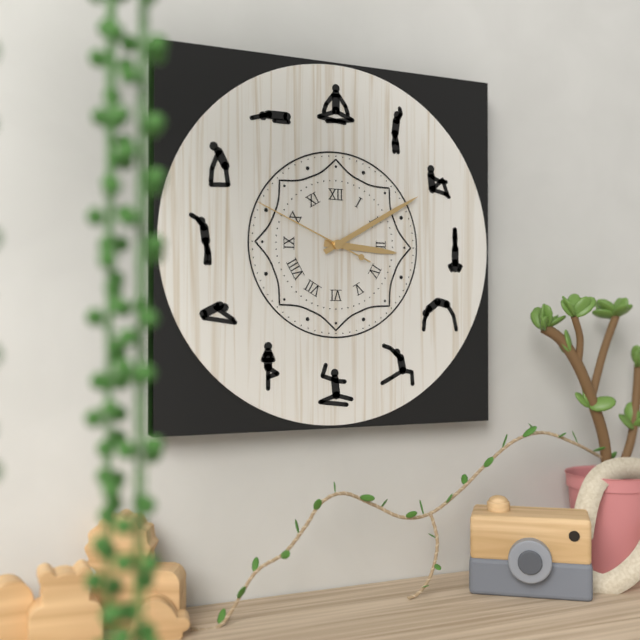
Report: 3 h 10 min 49 s
